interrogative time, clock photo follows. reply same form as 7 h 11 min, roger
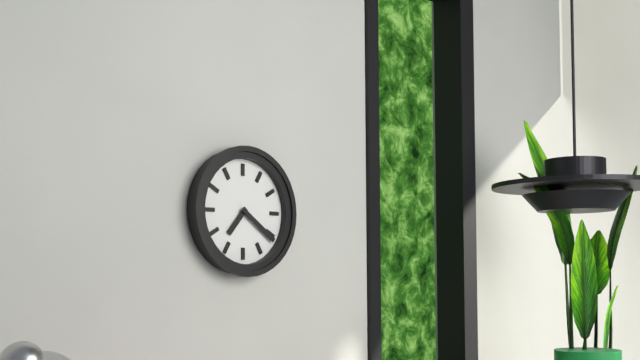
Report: 7 h 21 min
